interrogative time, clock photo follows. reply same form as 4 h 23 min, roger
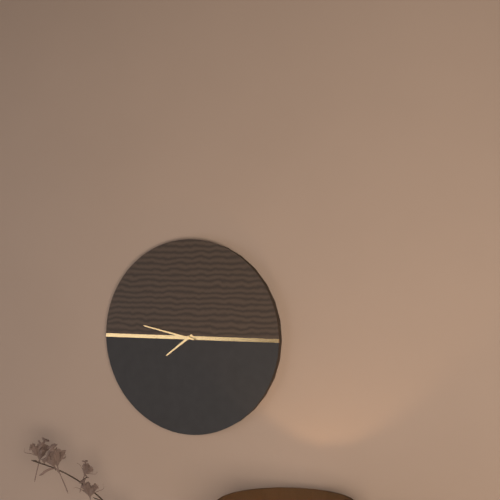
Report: 7 h 47 min
